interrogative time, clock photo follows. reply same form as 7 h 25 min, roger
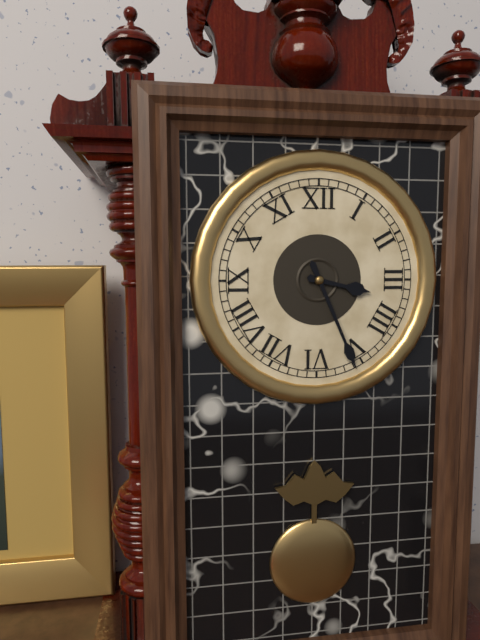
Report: 3 h 26 min
